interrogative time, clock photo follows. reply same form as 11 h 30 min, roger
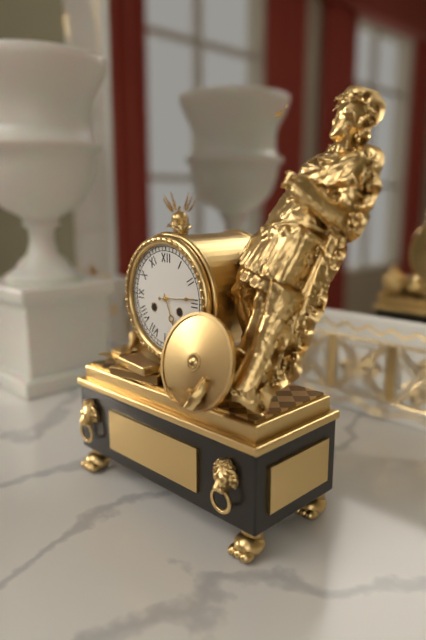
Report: 5 h 14 min
